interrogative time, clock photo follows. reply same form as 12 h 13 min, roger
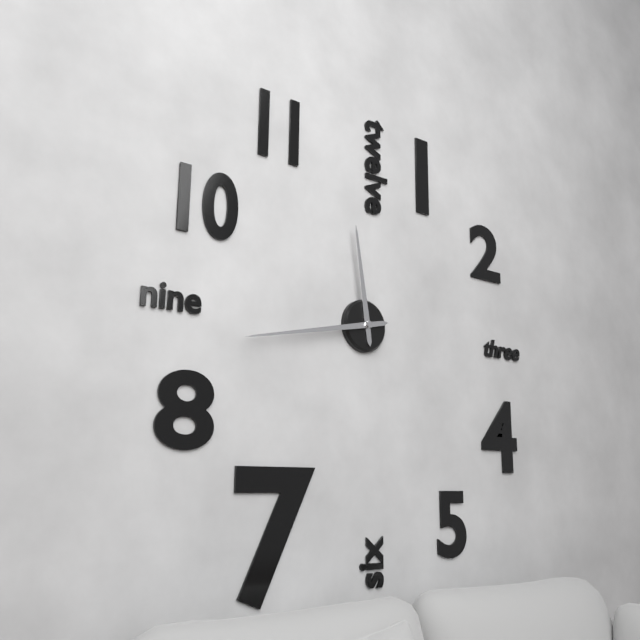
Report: 11 h 43 min
